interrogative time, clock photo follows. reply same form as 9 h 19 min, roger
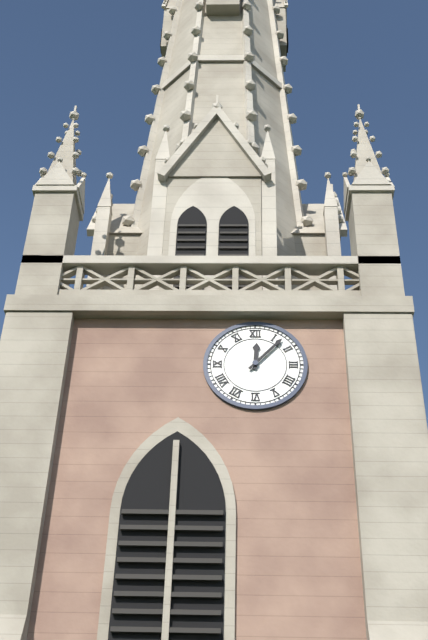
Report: 12 h 07 min
